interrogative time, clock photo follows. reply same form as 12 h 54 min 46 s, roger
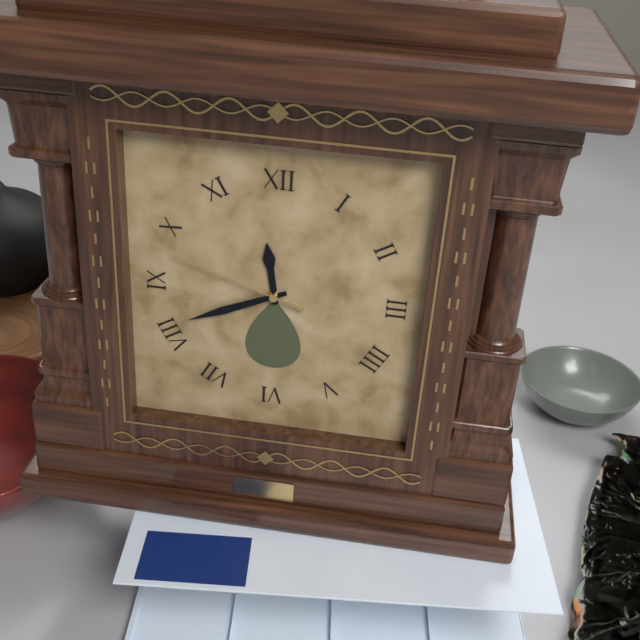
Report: 11 h 41 min 48 s
